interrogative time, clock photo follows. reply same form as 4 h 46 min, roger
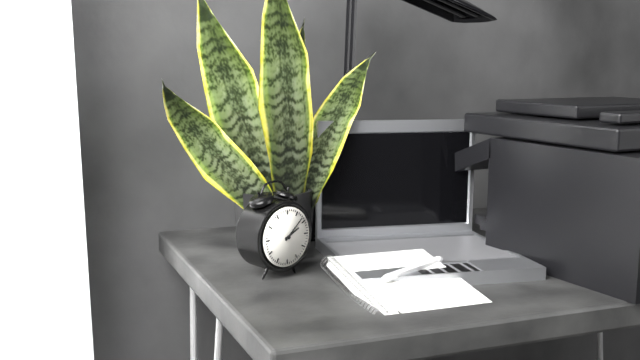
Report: 2 h 08 min
